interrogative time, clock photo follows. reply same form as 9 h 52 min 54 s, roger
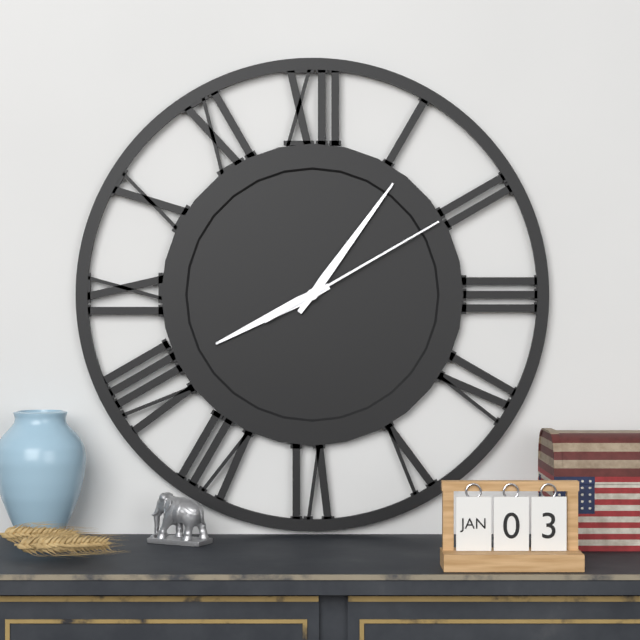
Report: 8 h 06 min 10 s
